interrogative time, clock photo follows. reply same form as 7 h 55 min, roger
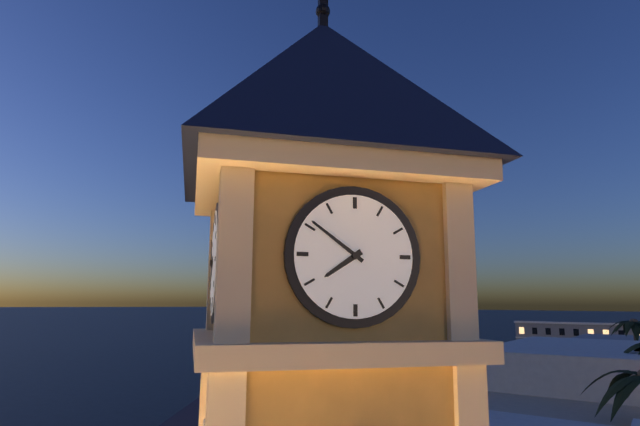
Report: 7 h 51 min
